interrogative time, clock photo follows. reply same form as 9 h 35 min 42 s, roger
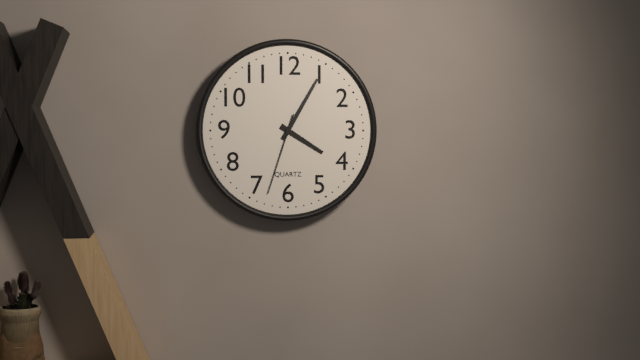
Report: 4 h 05 min 33 s
